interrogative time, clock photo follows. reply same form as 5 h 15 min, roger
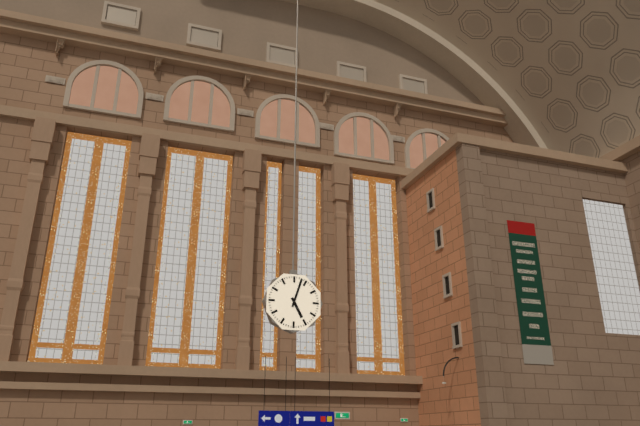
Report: 5 h 03 min
